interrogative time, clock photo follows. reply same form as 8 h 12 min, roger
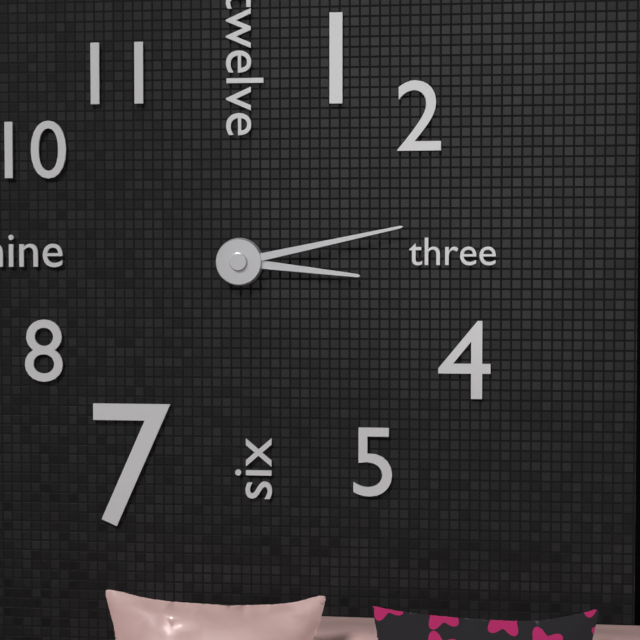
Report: 3 h 13 min
